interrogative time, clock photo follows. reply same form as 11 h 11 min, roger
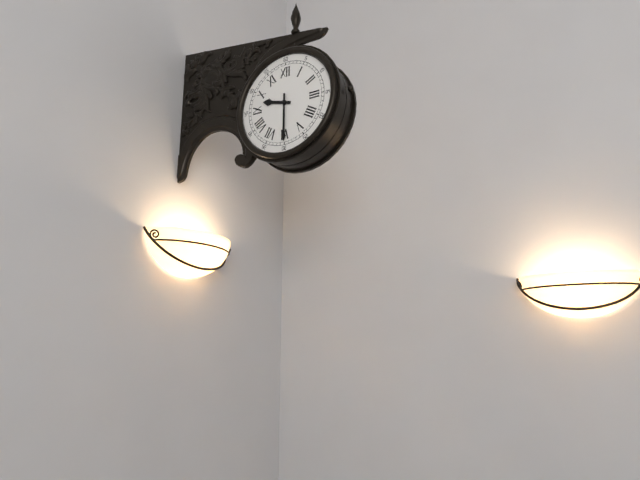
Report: 9 h 30 min
